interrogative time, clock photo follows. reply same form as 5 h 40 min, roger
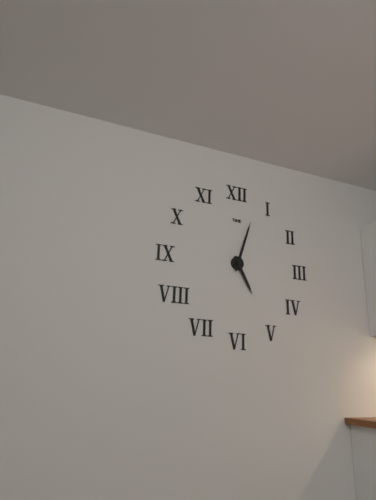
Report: 5 h 03 min
